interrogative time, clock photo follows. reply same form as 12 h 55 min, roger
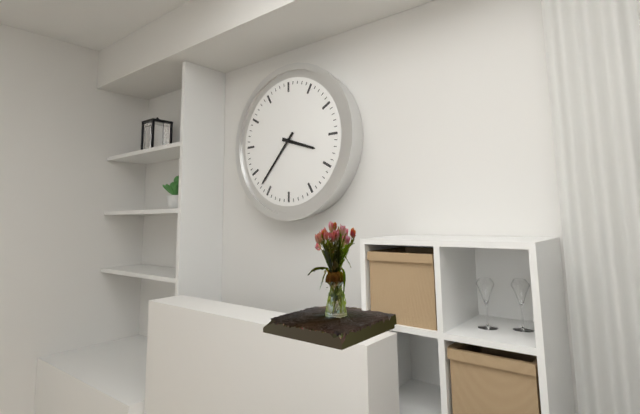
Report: 3 h 37 min
